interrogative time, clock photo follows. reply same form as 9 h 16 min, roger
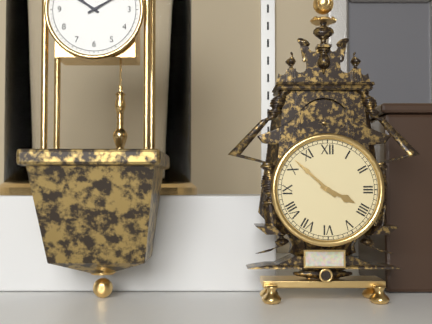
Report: 3 h 52 min
